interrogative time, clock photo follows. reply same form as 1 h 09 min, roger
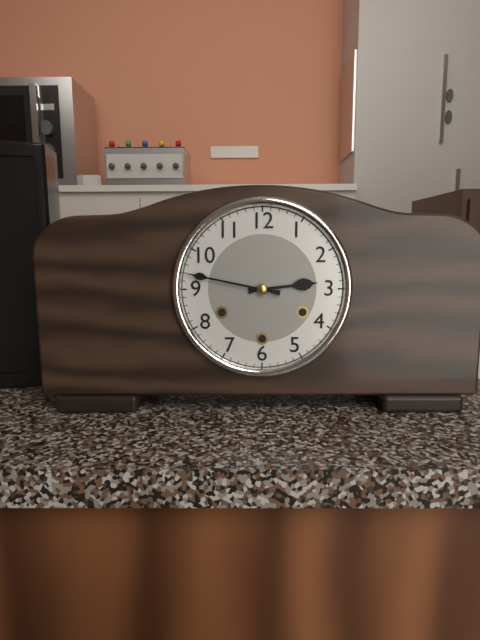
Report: 2 h 47 min
